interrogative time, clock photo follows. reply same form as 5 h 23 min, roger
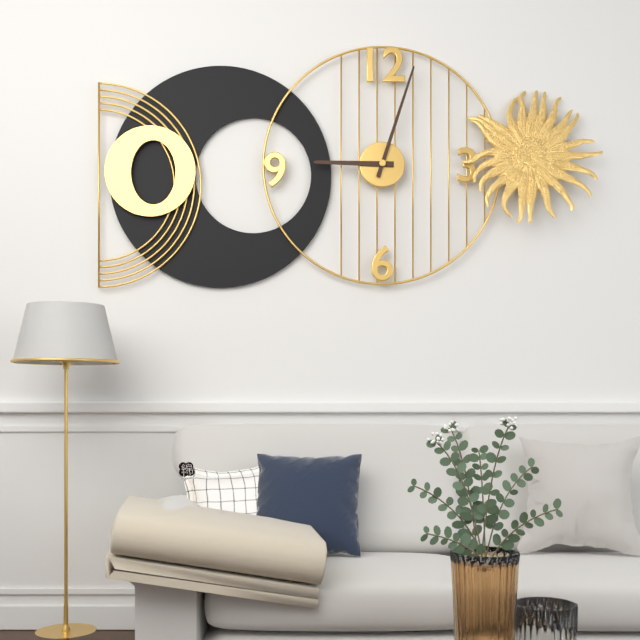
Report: 9 h 03 min
